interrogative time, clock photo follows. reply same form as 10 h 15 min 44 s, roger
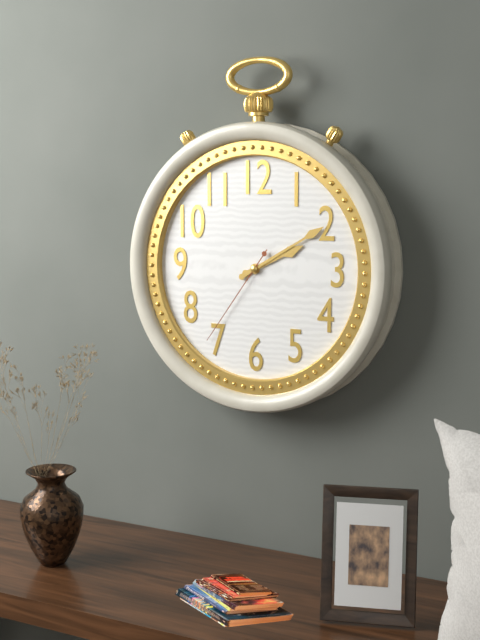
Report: 2 h 10 min 36 s
